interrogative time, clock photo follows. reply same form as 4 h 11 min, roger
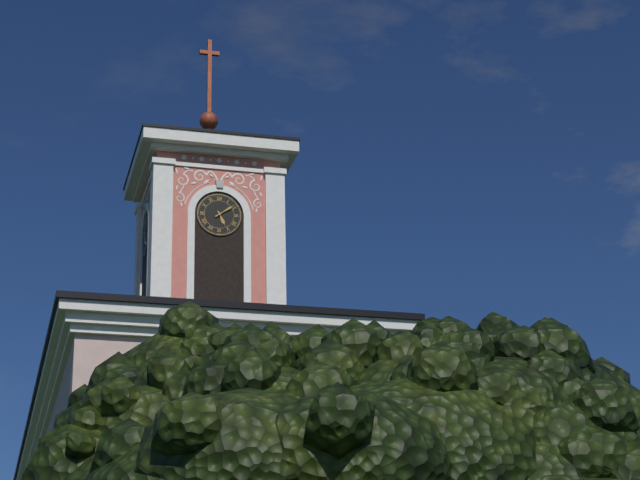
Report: 5 h 09 min
